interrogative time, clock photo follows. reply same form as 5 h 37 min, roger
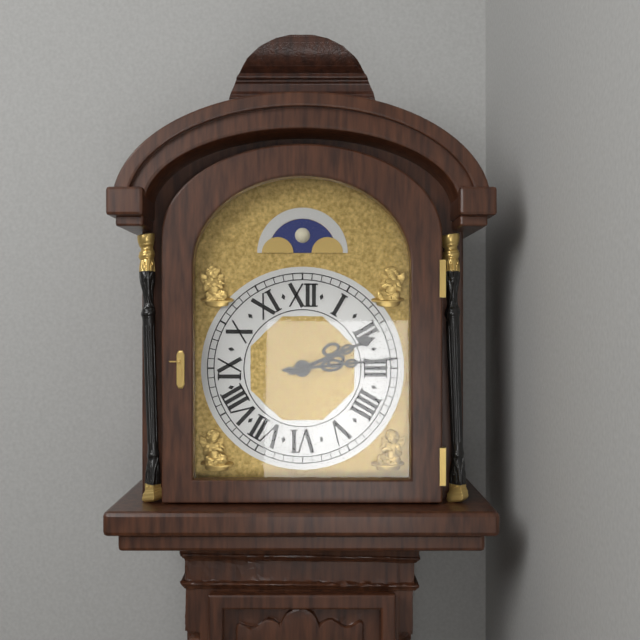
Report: 2 h 14 min
